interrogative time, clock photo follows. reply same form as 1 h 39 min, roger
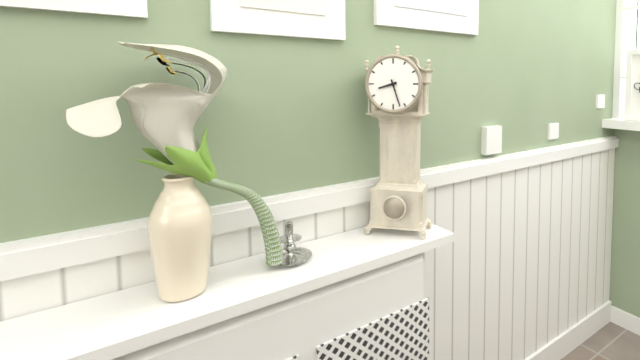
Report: 8 h 27 min
